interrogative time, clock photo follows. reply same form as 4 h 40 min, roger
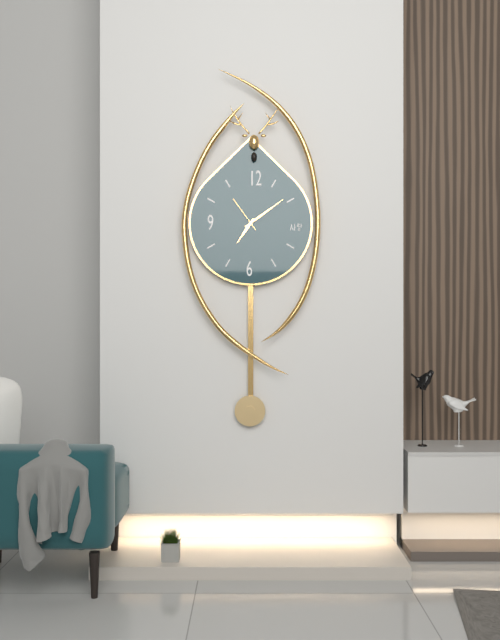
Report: 7 h 09 min
